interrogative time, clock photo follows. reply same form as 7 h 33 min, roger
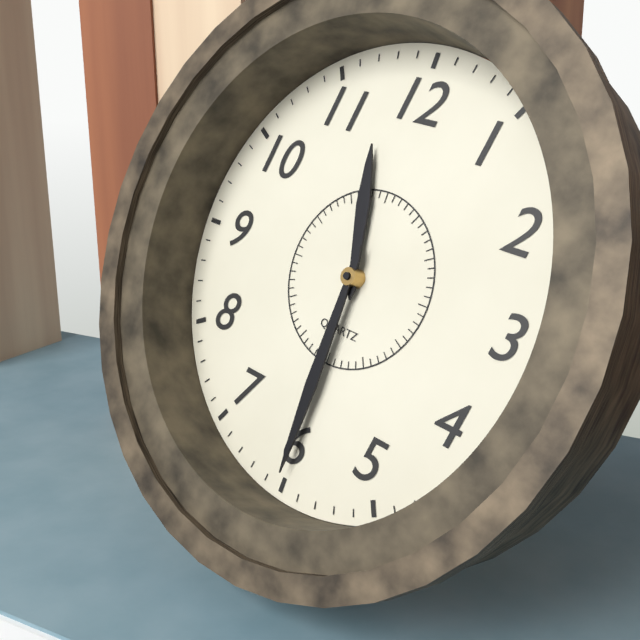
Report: 11 h 30 min
